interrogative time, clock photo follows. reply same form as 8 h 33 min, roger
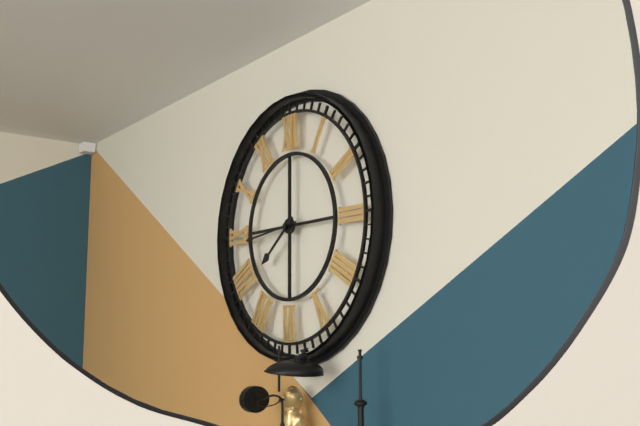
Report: 7 h 44 min
